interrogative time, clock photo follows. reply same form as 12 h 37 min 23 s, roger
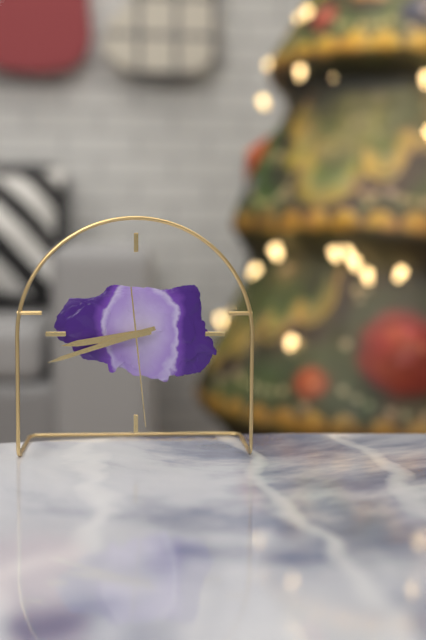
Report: 8 h 42 min 29 s
